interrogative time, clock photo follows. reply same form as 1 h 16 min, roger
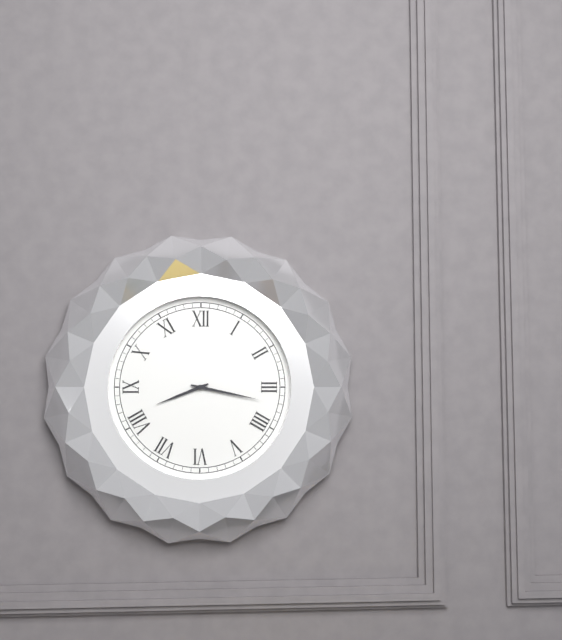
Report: 8 h 17 min
